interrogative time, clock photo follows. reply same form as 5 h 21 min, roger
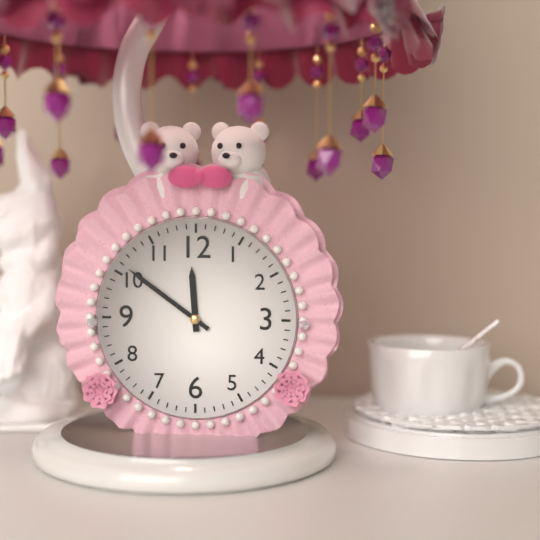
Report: 11 h 51 min
